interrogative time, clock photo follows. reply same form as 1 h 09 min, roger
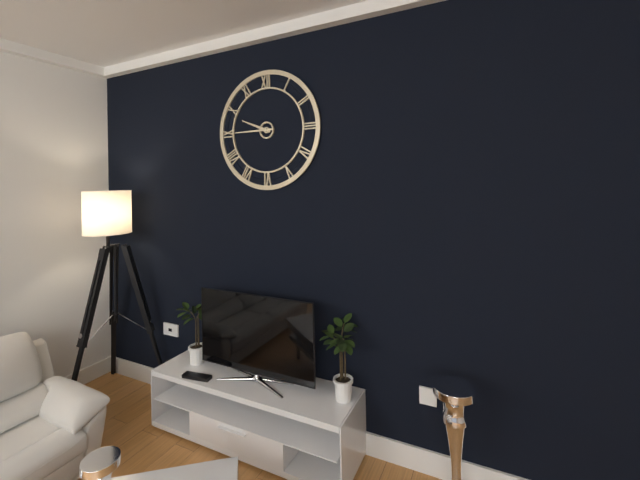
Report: 9 h 45 min
